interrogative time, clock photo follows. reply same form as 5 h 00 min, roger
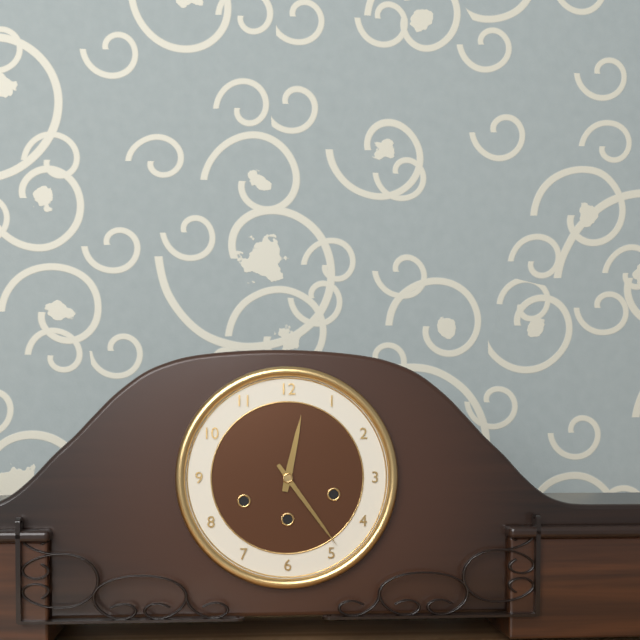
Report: 12 h 24 min
